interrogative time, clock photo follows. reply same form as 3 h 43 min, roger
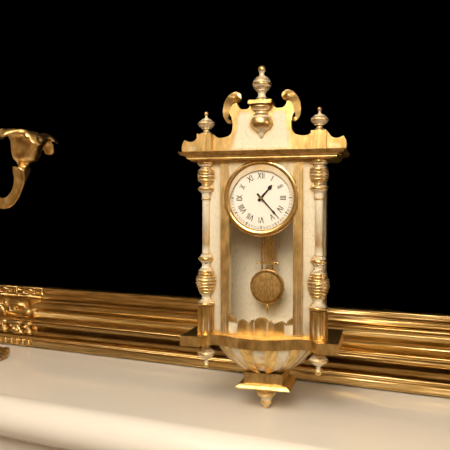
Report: 1 h 23 min
